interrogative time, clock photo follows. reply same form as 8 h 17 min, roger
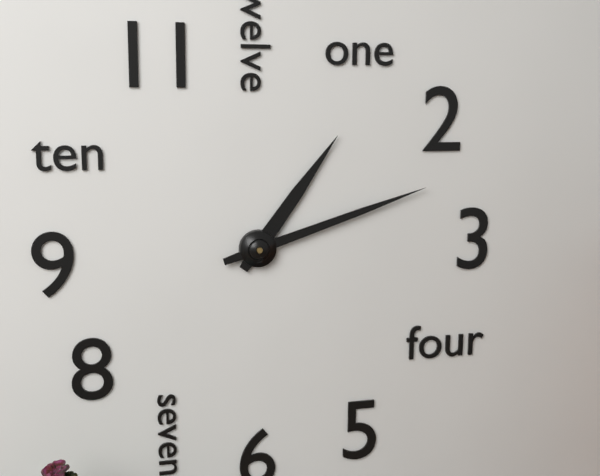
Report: 1 h 12 min
